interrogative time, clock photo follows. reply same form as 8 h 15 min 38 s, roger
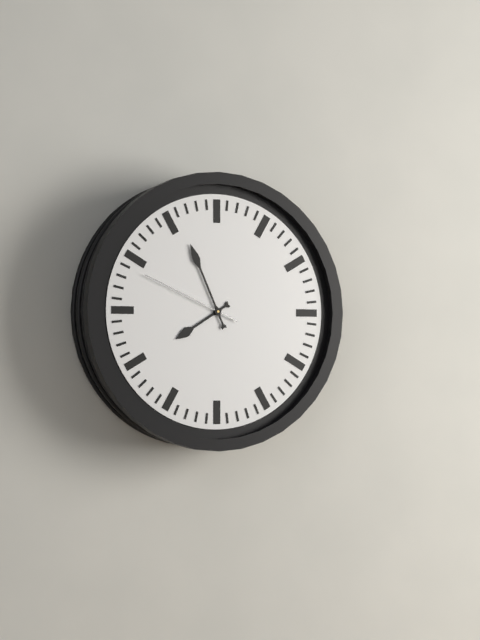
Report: 7 h 56 min 49 s
